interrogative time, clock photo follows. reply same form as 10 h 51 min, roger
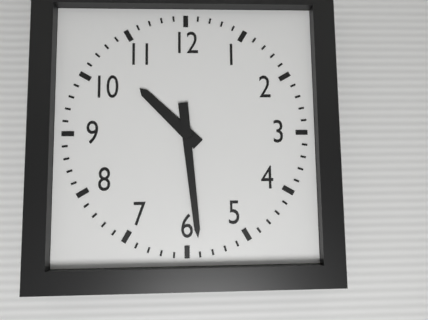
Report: 10 h 29 min
